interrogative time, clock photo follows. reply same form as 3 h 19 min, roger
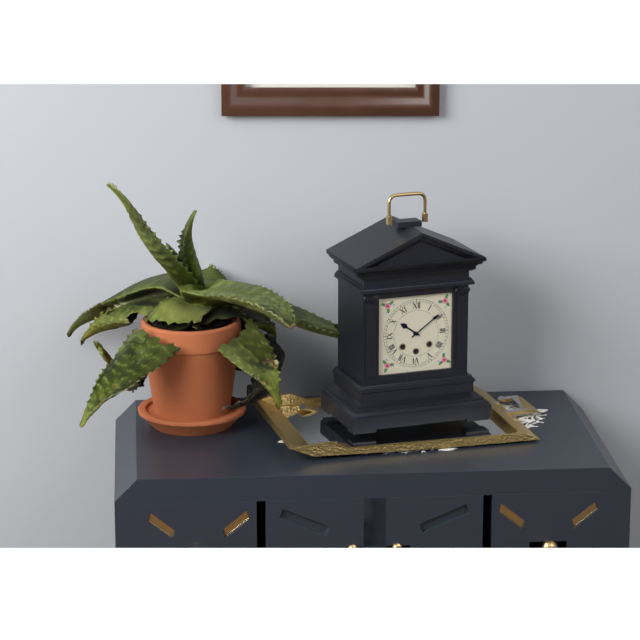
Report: 10 h 09 min
